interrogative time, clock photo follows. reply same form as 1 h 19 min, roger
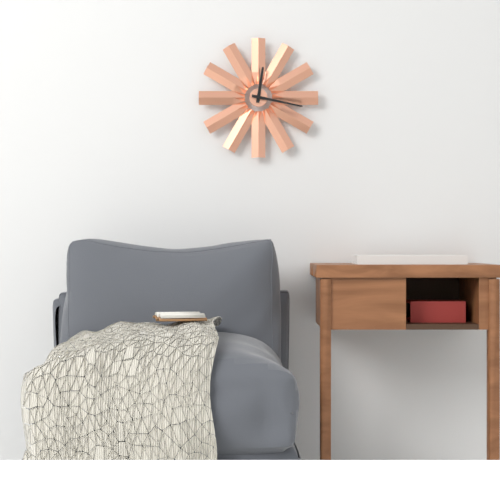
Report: 12 h 17 min
